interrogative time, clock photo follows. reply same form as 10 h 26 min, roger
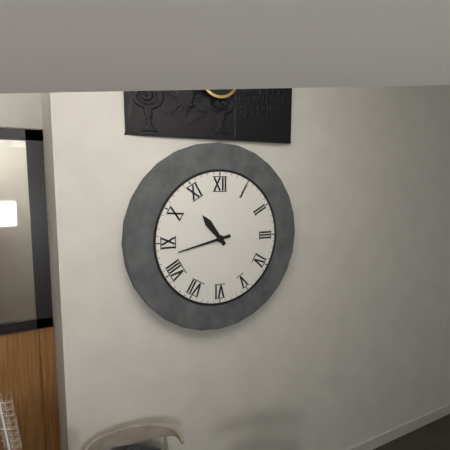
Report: 10 h 43 min
